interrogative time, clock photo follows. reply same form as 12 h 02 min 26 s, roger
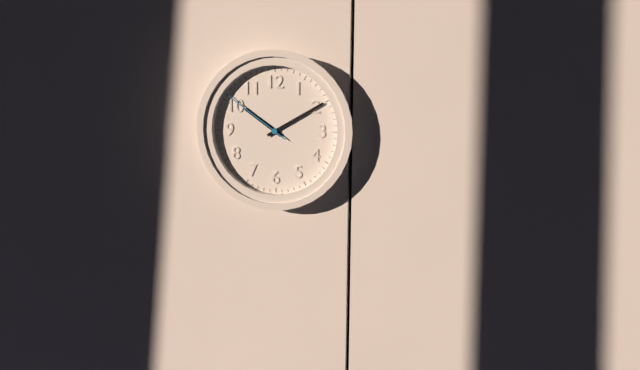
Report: 10 h 10 min 51 s
